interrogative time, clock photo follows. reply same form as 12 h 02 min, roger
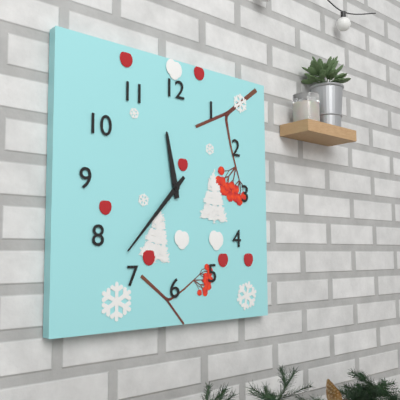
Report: 11 h 37 min
